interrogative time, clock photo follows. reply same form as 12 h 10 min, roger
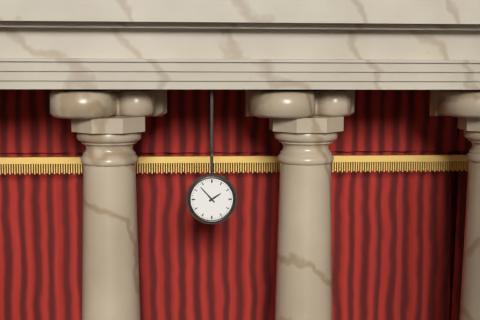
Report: 1 h 53 min
